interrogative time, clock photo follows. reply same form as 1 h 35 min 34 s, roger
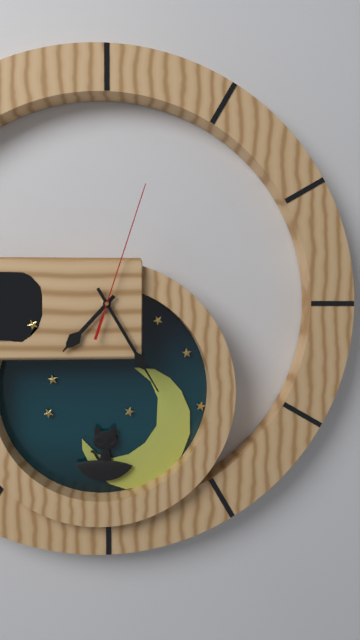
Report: 7 h 25 min 03 s
